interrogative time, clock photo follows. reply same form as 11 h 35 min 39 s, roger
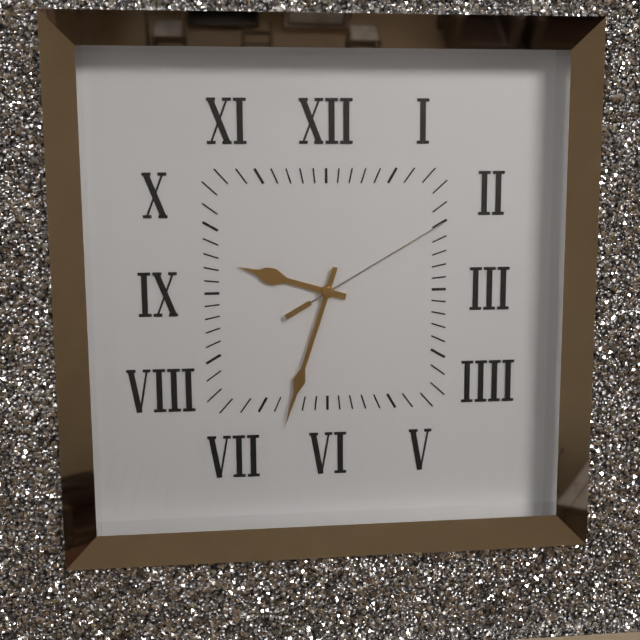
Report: 9 h 33 min 10 s
